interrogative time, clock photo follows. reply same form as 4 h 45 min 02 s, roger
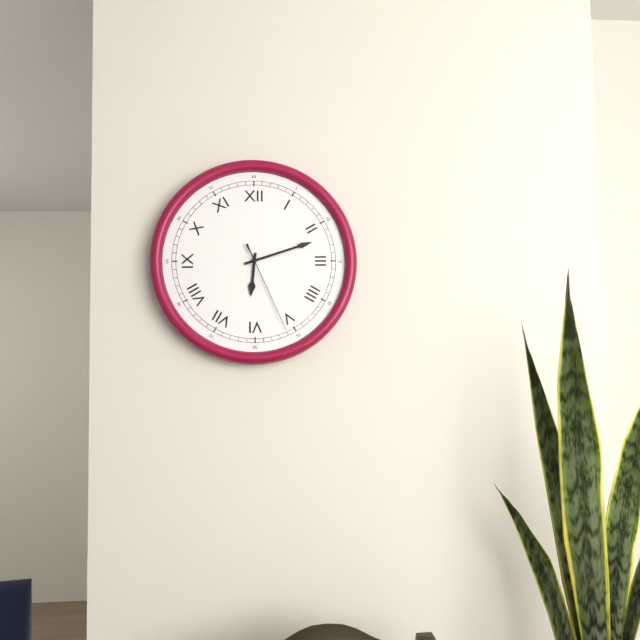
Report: 6 h 12 min 26 s
